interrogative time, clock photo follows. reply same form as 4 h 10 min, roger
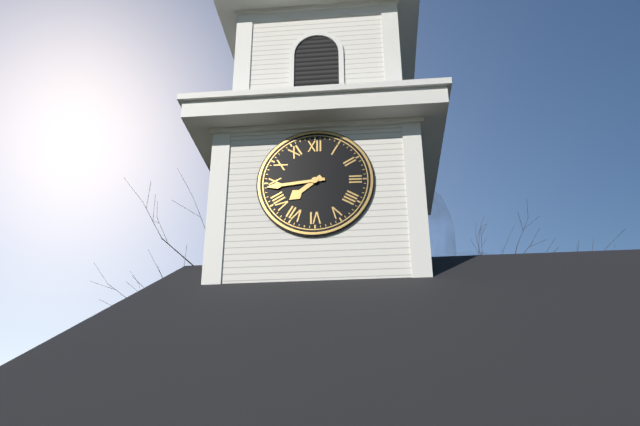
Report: 7 h 44 min
